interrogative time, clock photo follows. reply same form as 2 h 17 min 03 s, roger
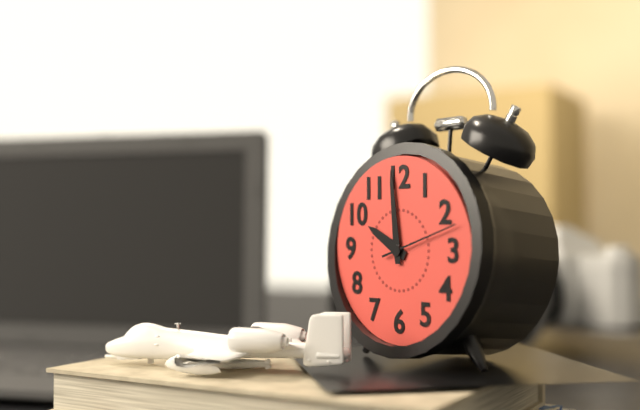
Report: 9 h 59 min 12 s
